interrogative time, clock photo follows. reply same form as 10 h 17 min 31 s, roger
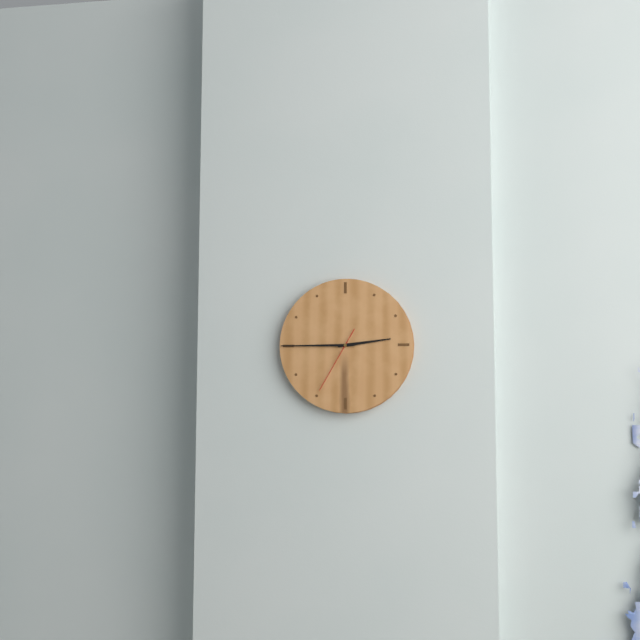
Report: 2 h 45 min 35 s
